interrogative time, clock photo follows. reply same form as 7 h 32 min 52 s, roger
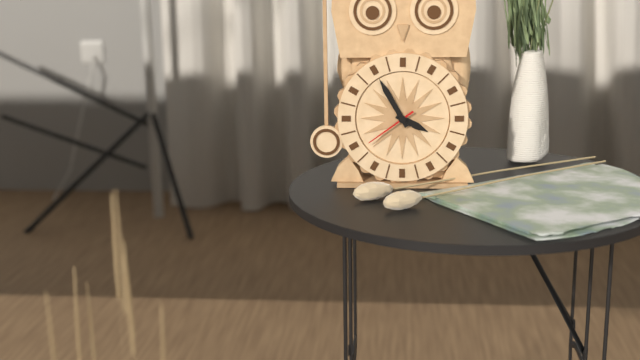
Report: 3 h 55 min 39 s
